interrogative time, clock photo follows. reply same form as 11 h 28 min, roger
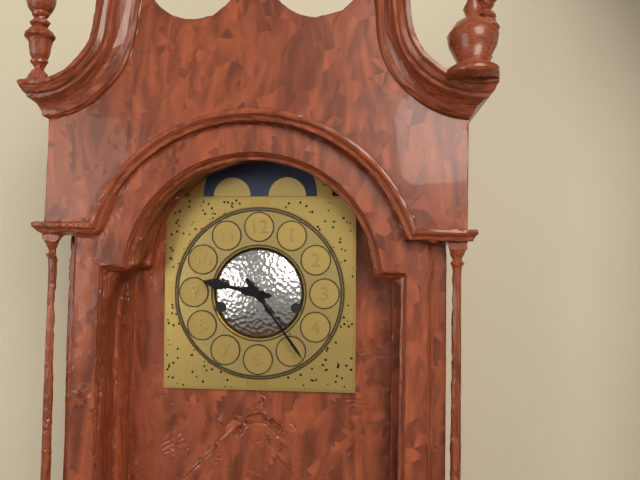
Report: 9 h 24 min
